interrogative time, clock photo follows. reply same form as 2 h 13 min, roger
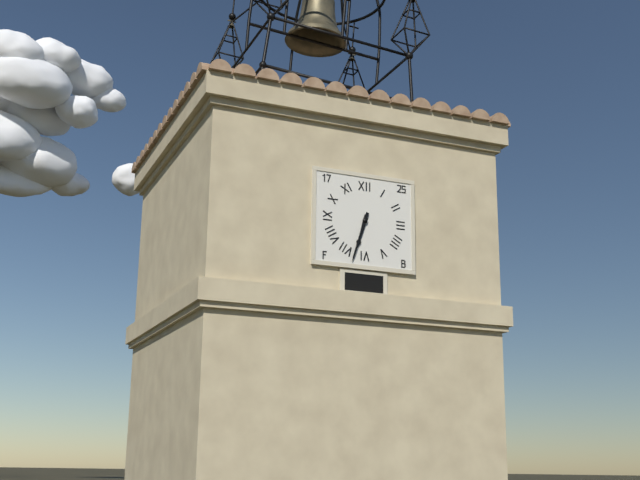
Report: 6 h 33 min
